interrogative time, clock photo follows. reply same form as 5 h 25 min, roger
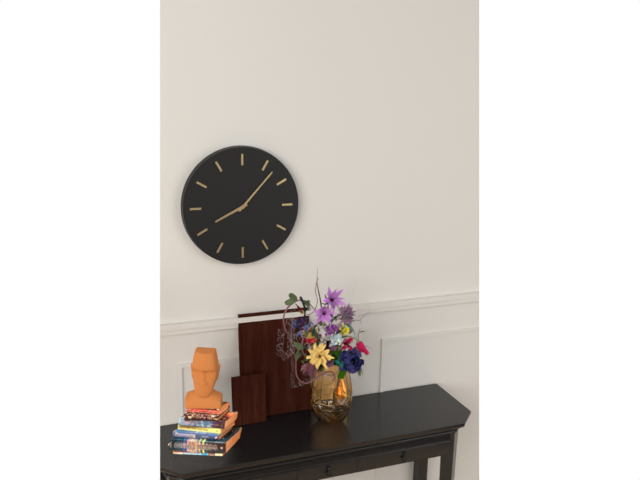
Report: 8 h 07 min
